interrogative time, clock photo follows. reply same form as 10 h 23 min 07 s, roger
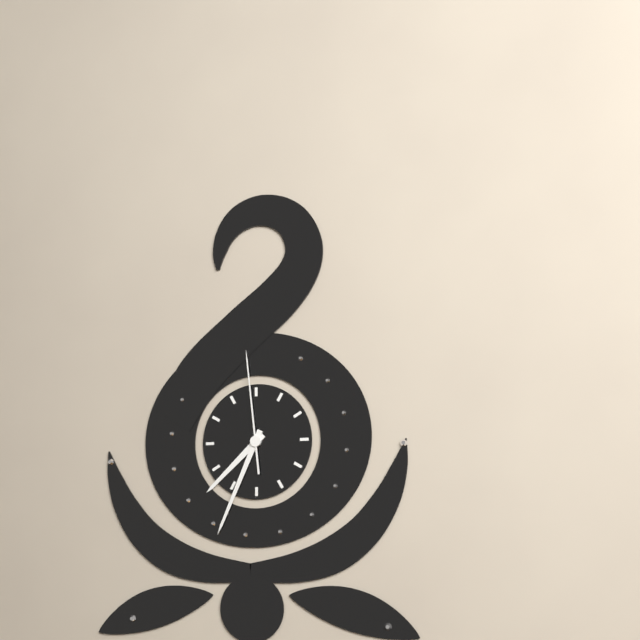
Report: 7 h 34 min 59 s
